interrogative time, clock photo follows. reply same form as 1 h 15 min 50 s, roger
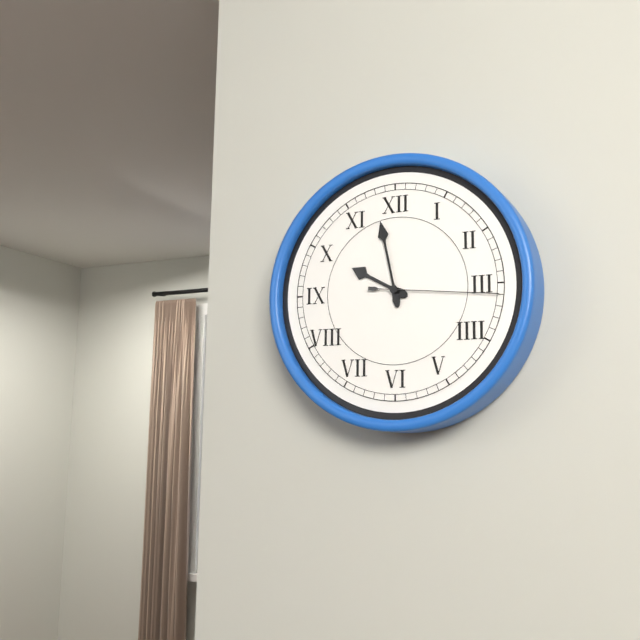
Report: 9 h 58 min 16 s
